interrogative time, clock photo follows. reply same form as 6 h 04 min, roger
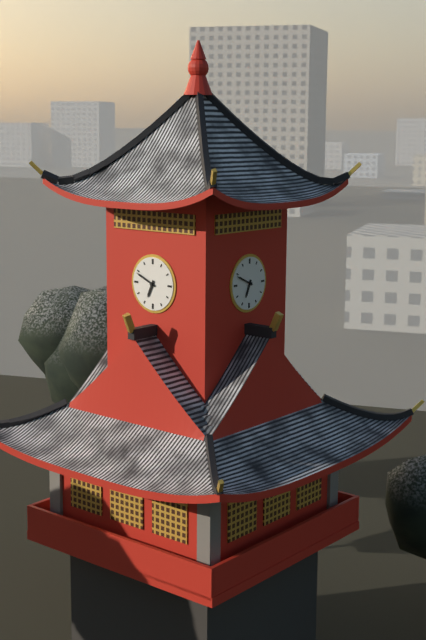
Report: 6 h 49 min
